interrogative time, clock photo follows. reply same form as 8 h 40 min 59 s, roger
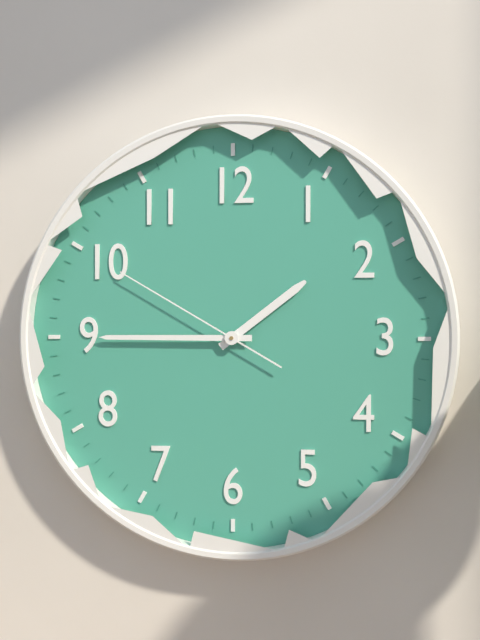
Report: 1 h 45 min 50 s
